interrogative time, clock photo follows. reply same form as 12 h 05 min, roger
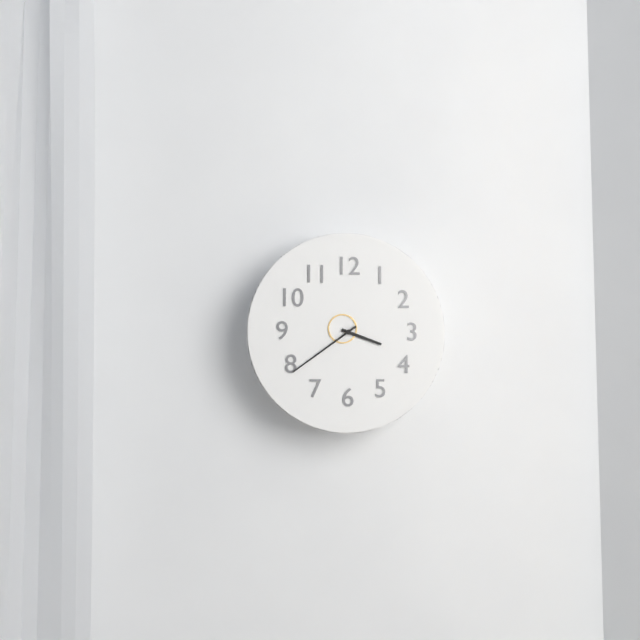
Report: 3 h 39 min
